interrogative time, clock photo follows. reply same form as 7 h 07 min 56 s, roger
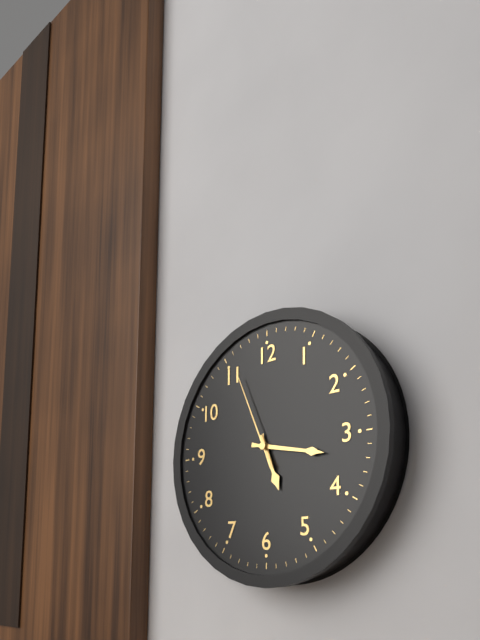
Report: 5 h 17 min 56 s
